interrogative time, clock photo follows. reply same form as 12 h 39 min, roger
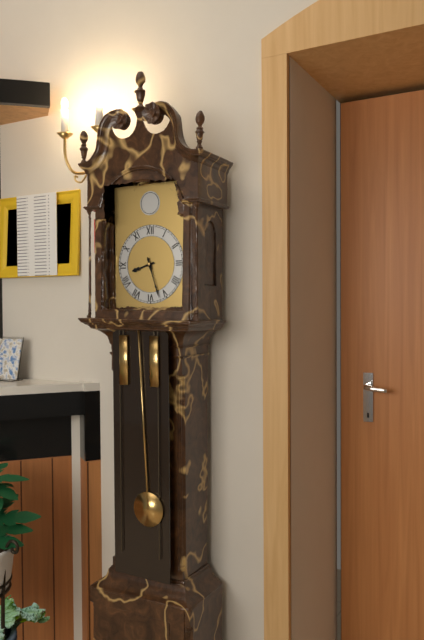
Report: 8 h 27 min
